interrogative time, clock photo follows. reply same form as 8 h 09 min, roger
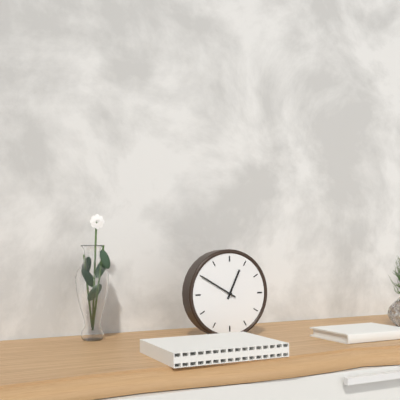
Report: 12 h 50 min
